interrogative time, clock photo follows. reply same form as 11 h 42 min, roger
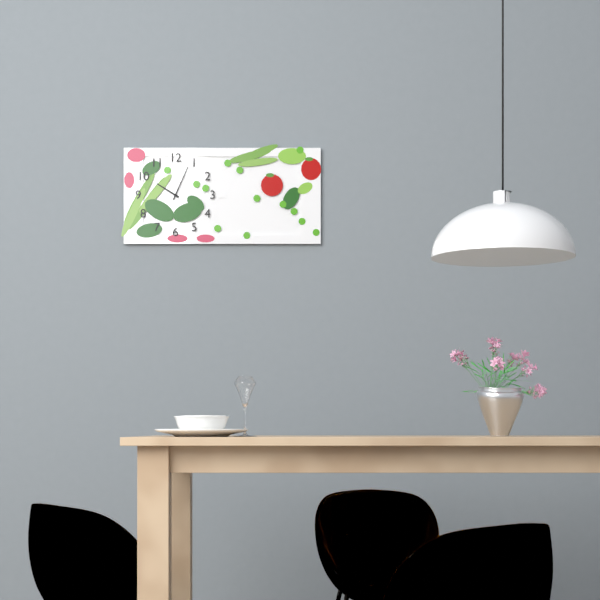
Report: 10 h 04 min
